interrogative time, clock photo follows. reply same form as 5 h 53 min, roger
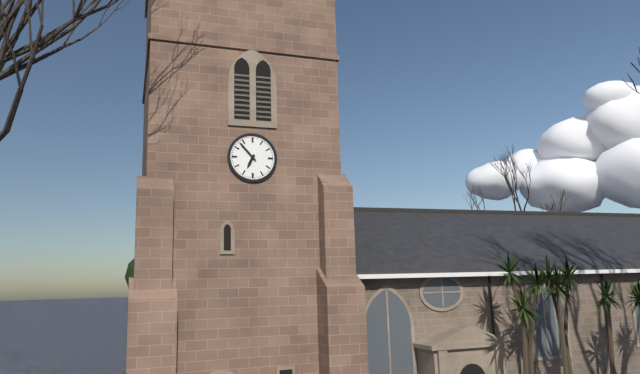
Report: 6 h 53 min
